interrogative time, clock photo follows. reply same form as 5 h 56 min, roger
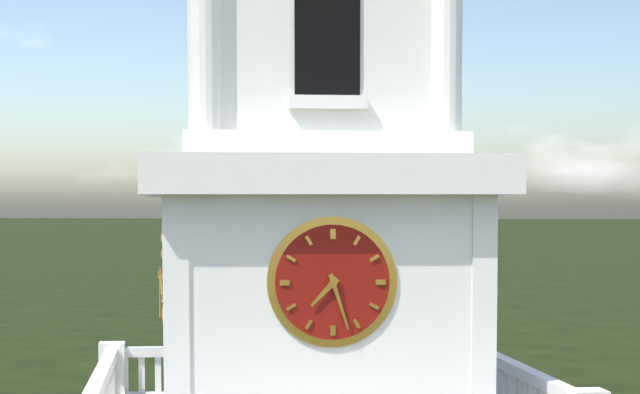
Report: 7 h 27 min
